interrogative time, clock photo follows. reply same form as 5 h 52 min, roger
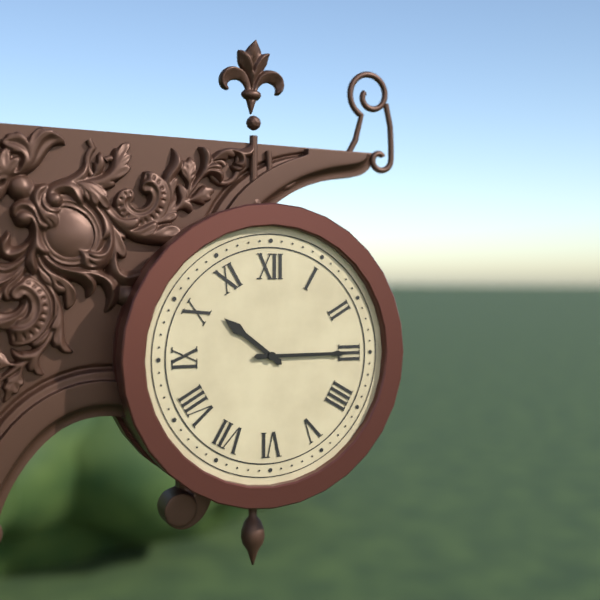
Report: 10 h 15 min
